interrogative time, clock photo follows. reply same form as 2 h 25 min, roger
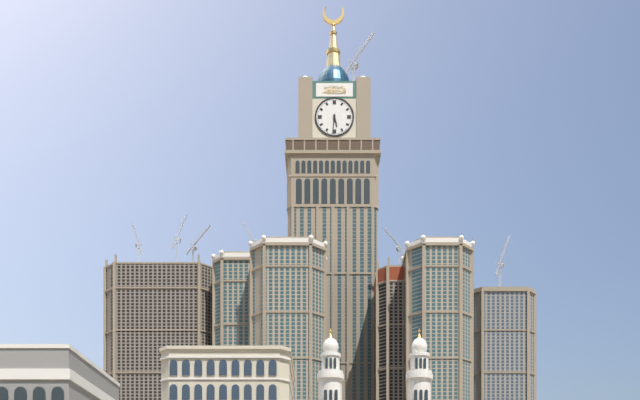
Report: 5 h 31 min
